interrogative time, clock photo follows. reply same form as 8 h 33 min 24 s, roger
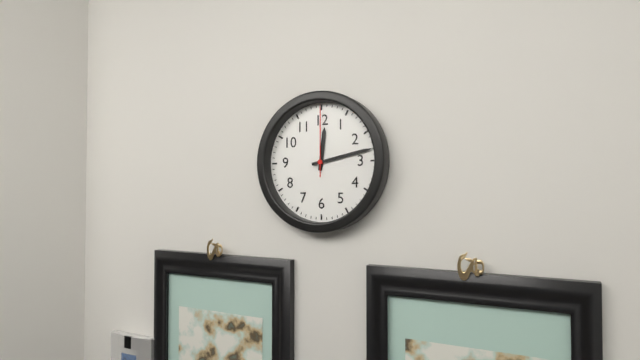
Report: 12 h 13 min 00 s
